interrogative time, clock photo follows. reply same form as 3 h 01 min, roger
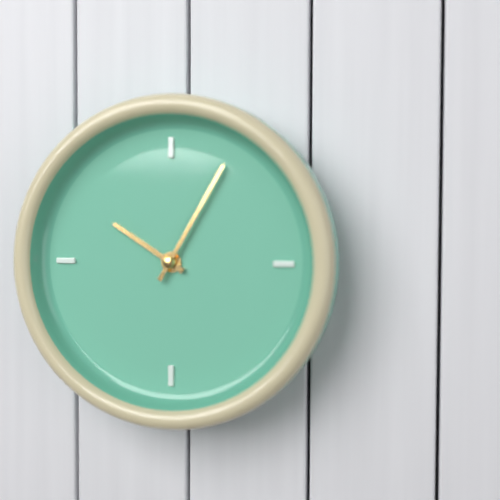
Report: 10 h 05 min
